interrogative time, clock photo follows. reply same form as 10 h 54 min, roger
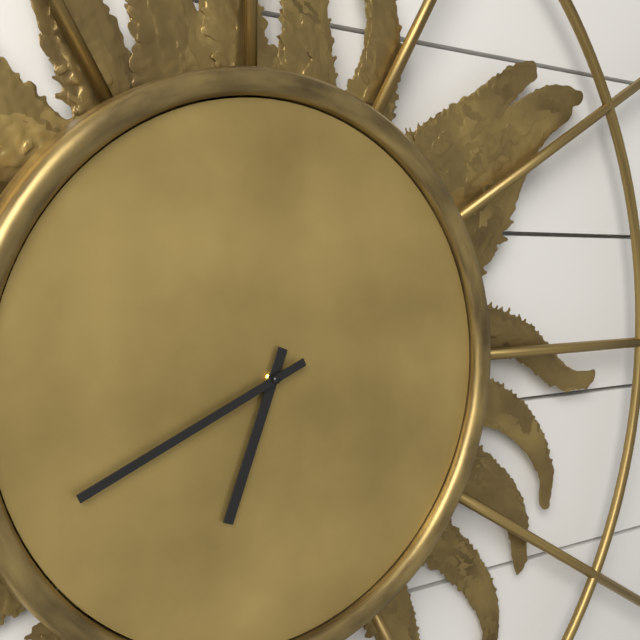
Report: 6 h 41 min
